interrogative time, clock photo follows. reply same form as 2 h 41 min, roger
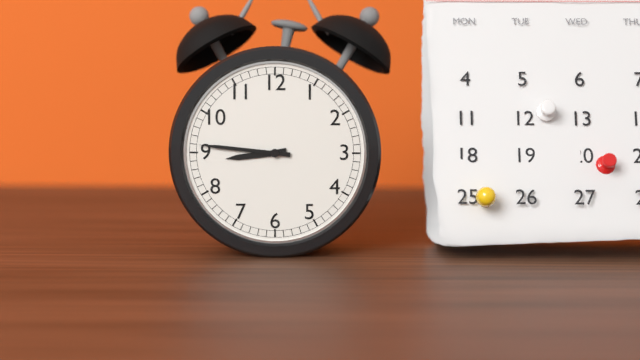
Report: 8 h 46 min
